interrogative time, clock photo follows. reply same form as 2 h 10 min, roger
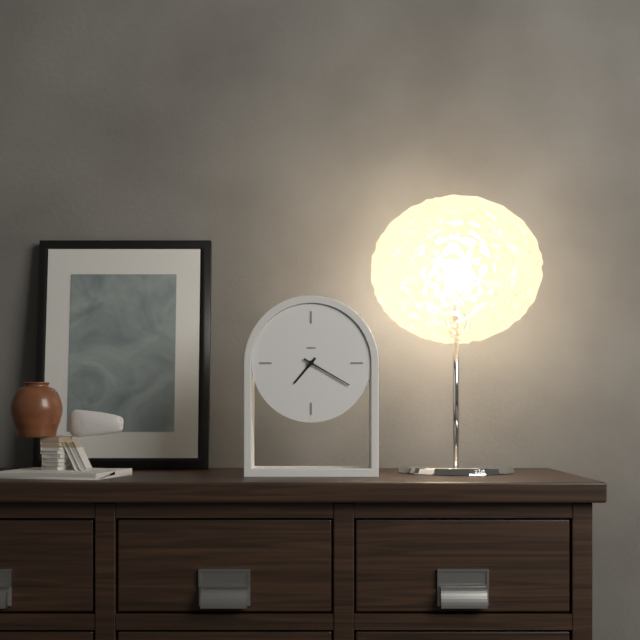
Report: 7 h 20 min
